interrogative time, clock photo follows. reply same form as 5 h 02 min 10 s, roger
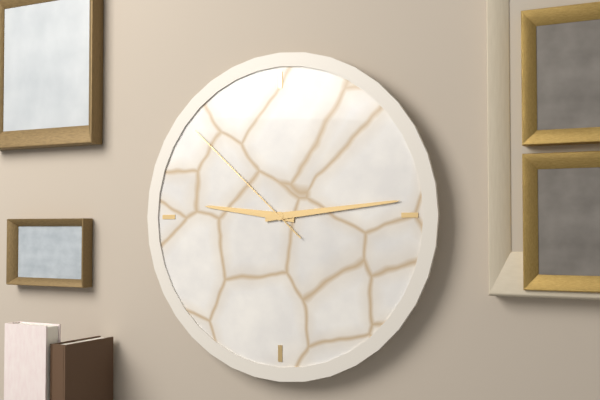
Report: 9 h 14 min 52 s
